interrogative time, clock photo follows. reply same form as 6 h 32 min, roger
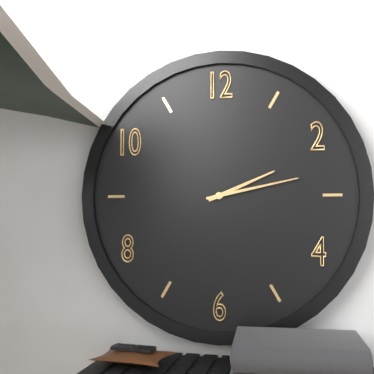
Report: 2 h 13 min
